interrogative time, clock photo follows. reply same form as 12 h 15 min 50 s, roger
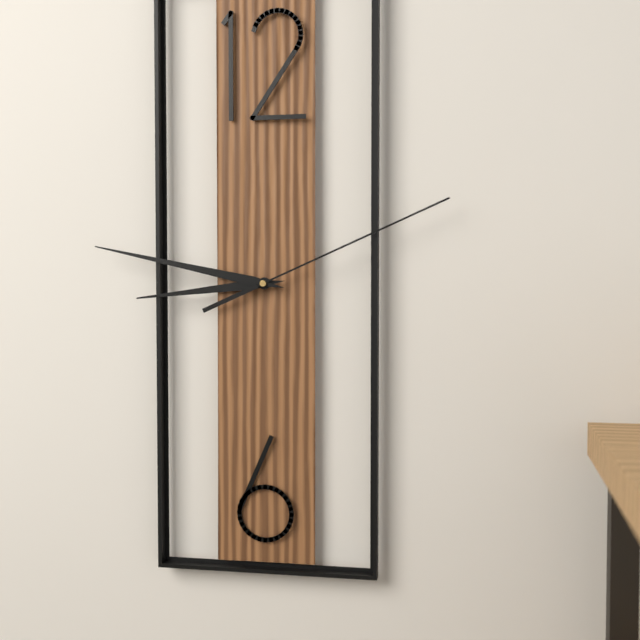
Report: 8 h 47 min 11 s
